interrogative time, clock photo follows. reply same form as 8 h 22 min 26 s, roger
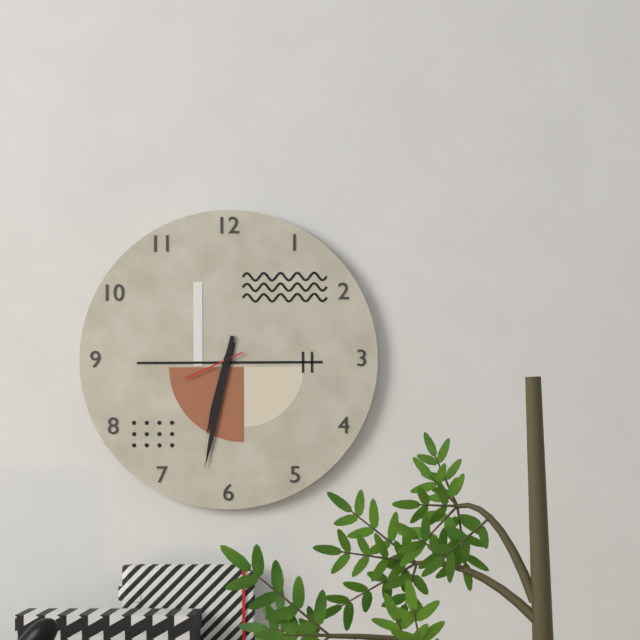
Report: 6 h 32 min 41 s
